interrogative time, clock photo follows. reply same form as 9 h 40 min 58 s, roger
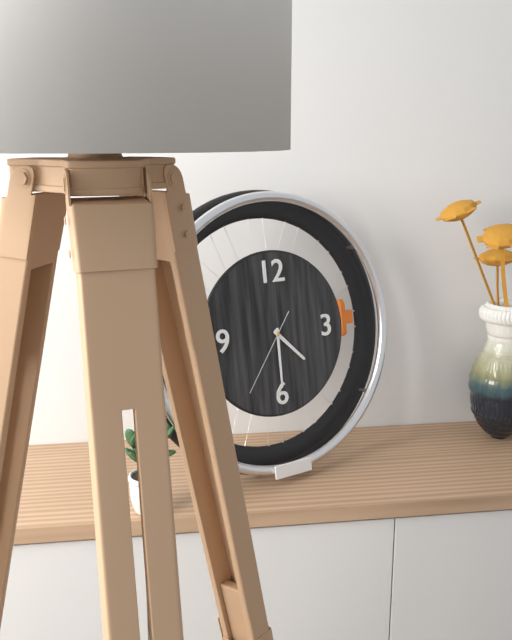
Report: 4 h 30 min 36 s
